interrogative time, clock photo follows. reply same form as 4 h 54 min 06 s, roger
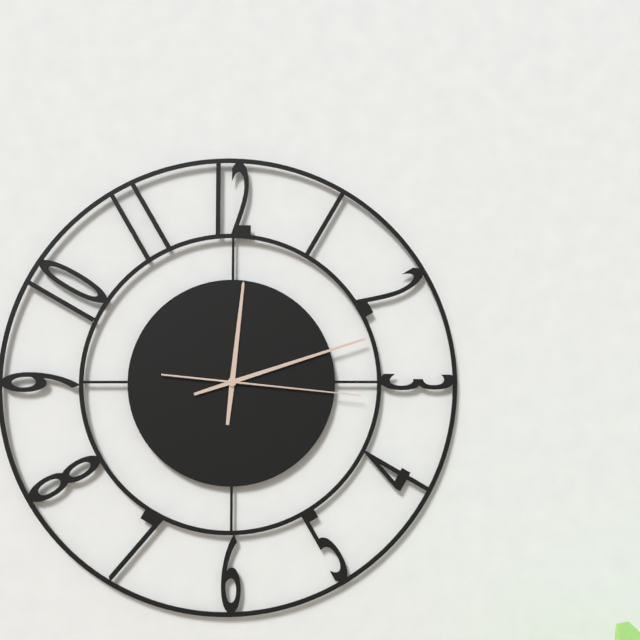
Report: 12 h 12 min 16 s
